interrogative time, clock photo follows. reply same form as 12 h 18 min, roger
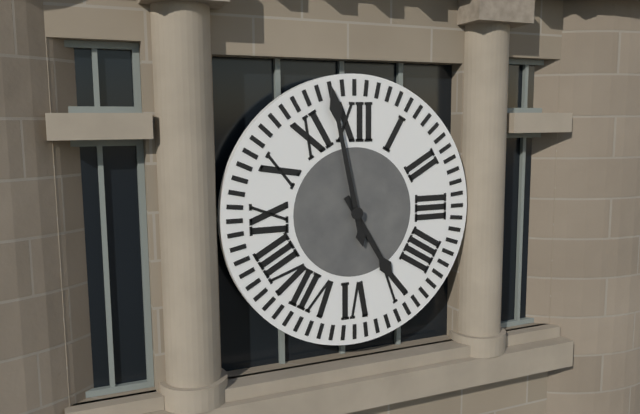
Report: 4 h 58 min
